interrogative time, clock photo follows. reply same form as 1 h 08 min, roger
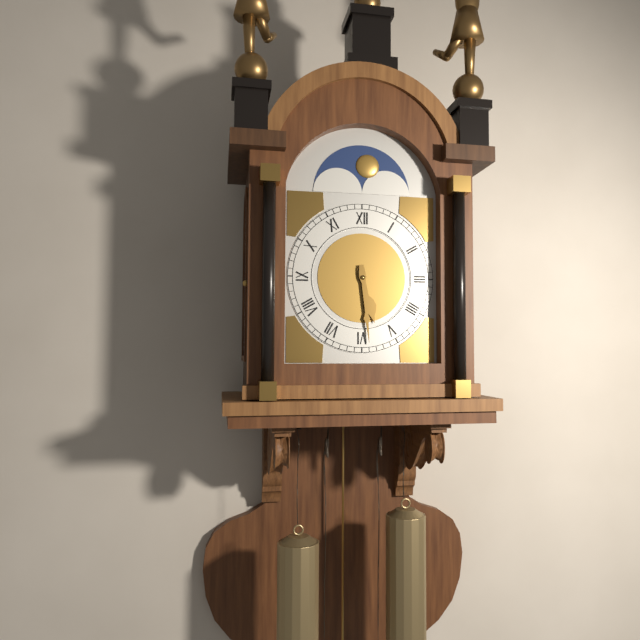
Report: 5 h 29 min
